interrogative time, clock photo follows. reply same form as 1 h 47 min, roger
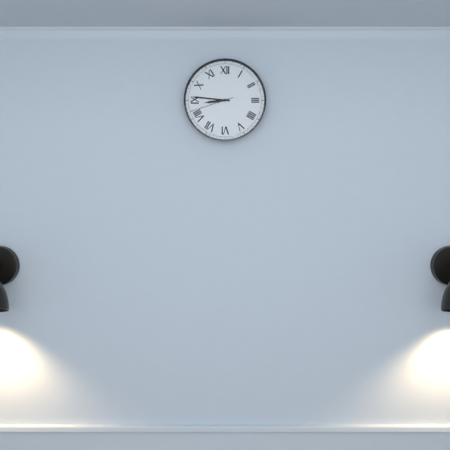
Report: 8 h 46 min
